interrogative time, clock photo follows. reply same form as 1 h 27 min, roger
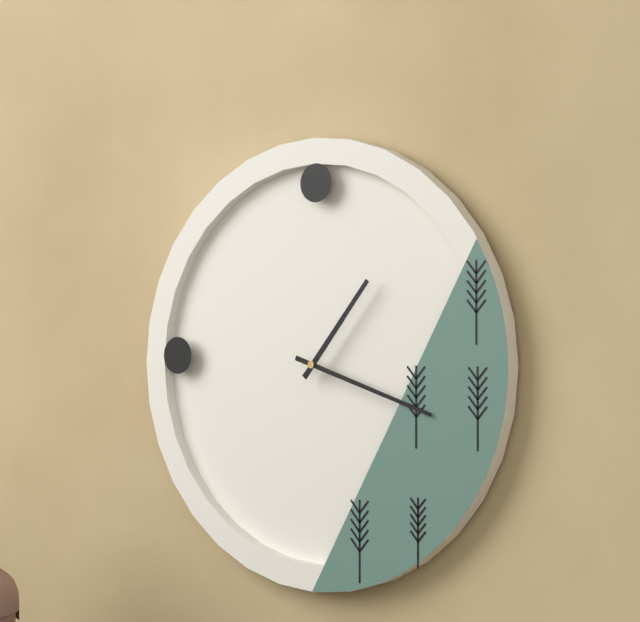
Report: 1 h 18 min
